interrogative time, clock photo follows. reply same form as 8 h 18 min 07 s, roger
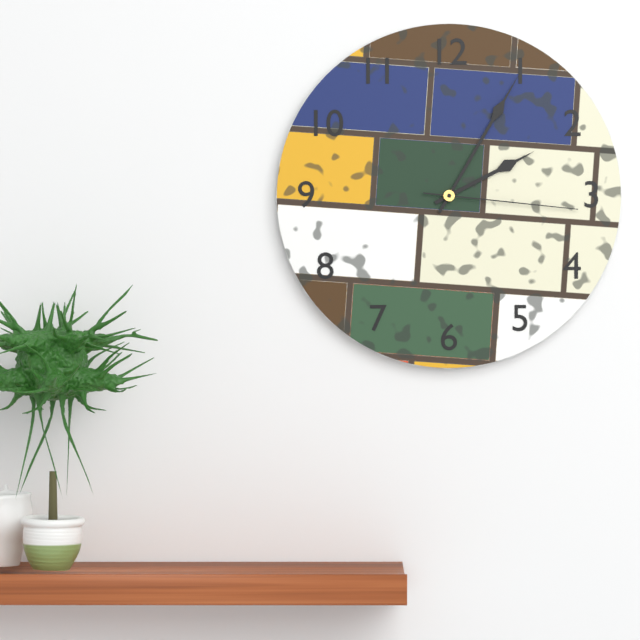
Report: 2 h 05 min 16 s
